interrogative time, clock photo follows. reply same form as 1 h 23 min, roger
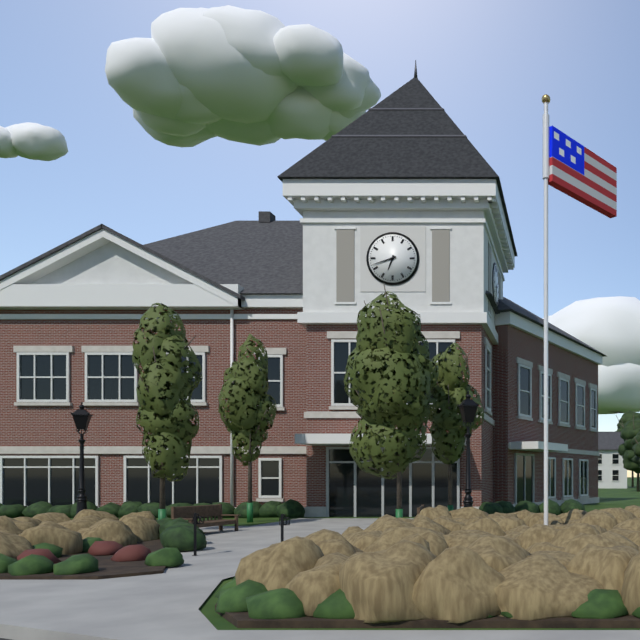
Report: 6 h 42 min
